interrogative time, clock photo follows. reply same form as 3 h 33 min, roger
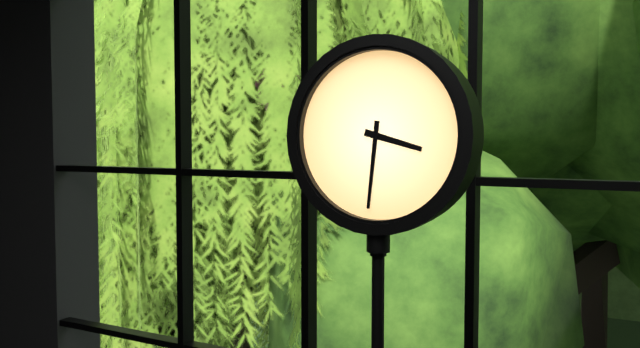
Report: 3 h 31 min
